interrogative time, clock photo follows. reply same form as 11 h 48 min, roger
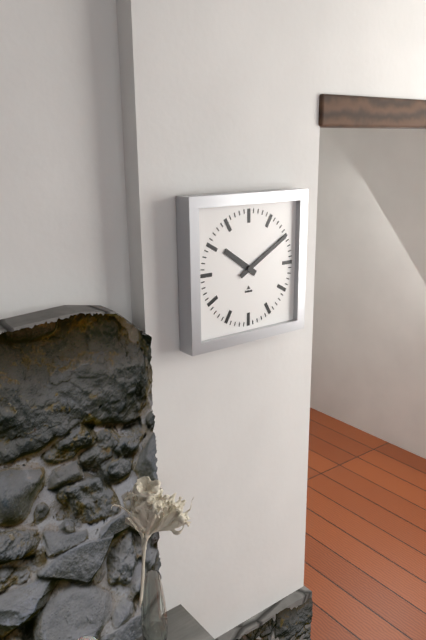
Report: 10 h 10 min
